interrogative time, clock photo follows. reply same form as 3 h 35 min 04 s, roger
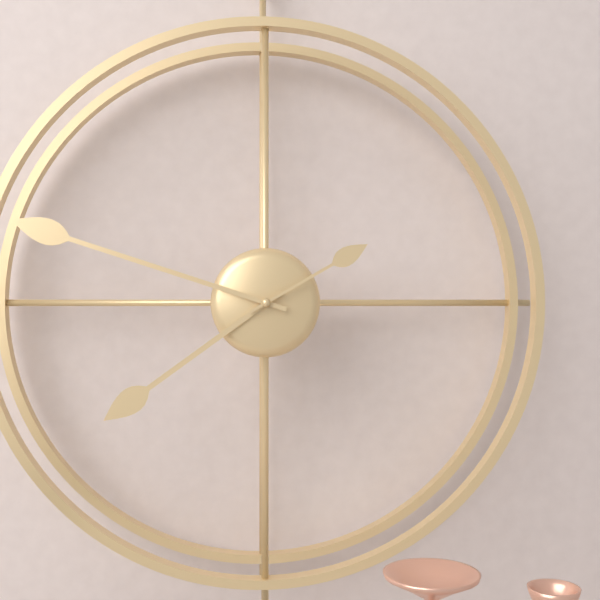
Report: 7 h 48 min 10 s
